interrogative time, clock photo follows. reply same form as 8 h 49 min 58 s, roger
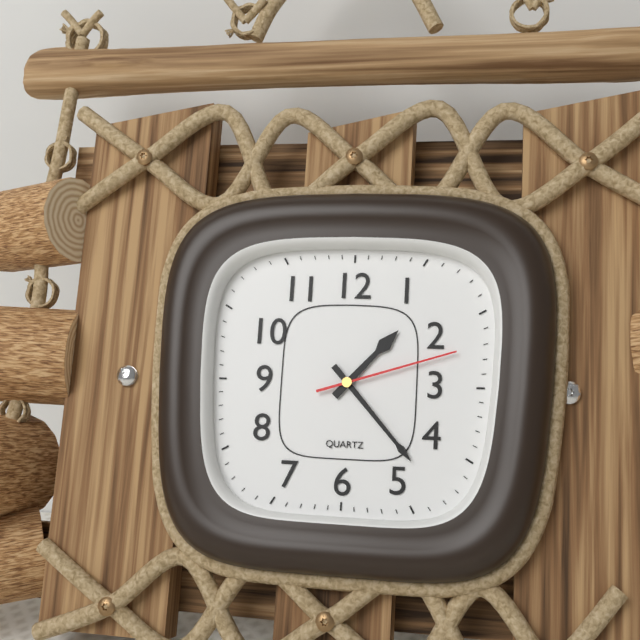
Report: 1 h 23 min 12 s
